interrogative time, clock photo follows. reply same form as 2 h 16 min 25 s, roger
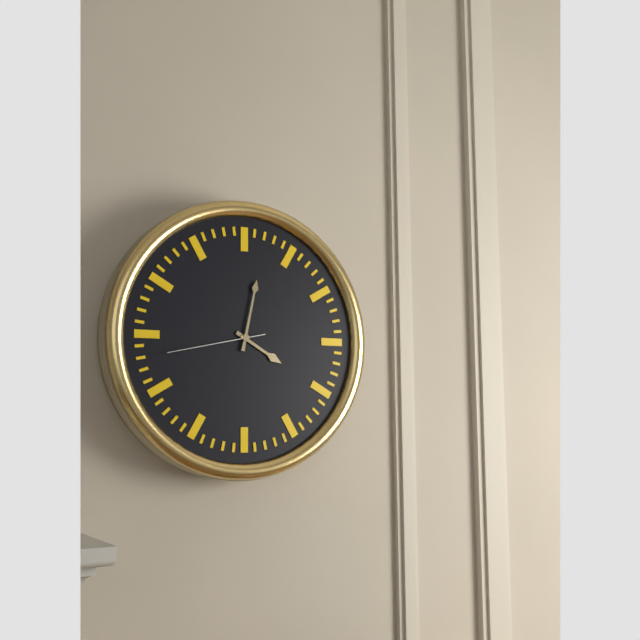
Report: 4 h 02 min 43 s
